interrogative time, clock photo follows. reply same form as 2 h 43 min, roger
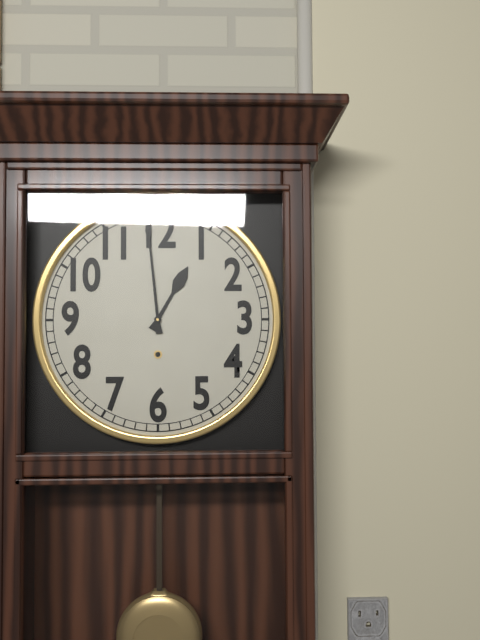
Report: 12 h 59 min
